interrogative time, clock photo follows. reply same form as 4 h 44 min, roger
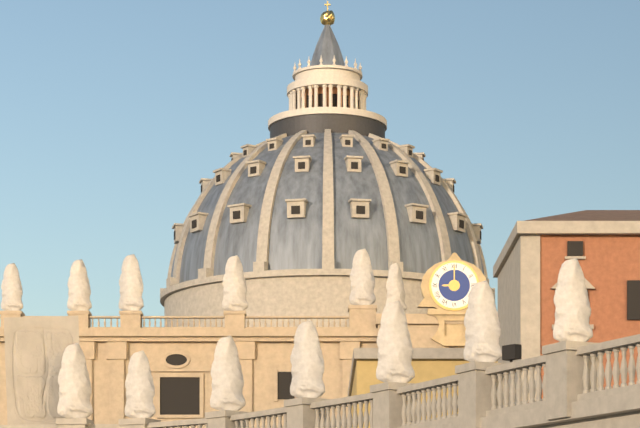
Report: 9 h 00 min
